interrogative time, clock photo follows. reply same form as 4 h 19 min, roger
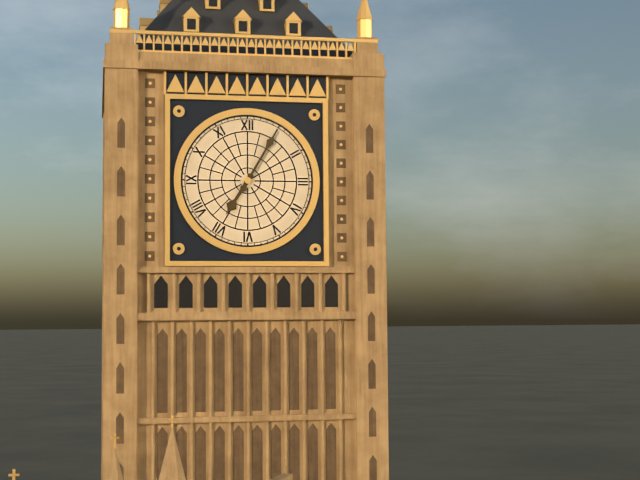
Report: 7 h 05 min
